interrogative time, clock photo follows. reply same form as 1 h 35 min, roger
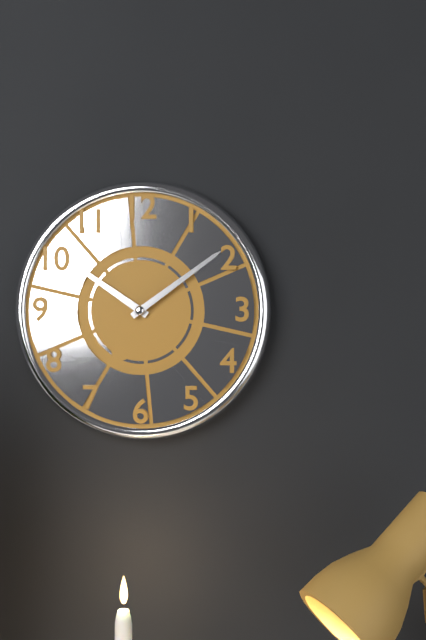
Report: 10 h 09 min
